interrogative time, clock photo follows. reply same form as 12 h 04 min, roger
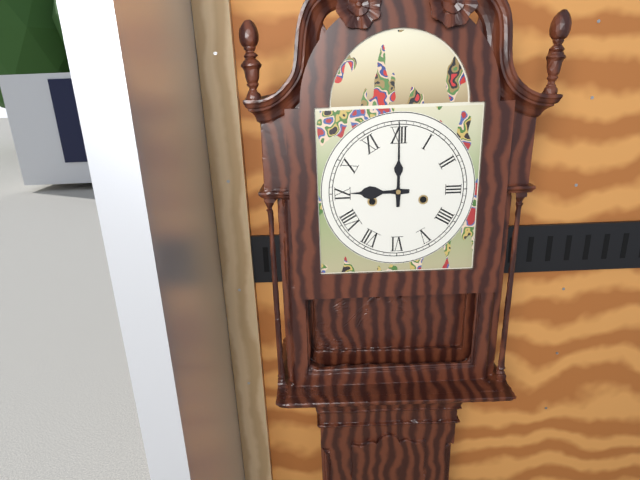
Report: 9 h 00 min
